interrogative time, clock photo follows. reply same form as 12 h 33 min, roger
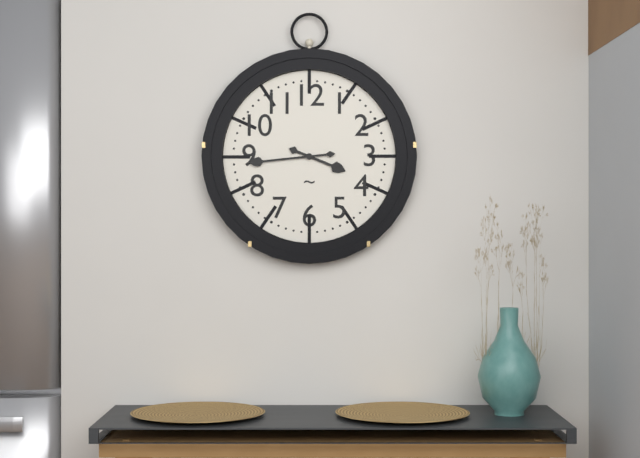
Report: 3 h 44 min
